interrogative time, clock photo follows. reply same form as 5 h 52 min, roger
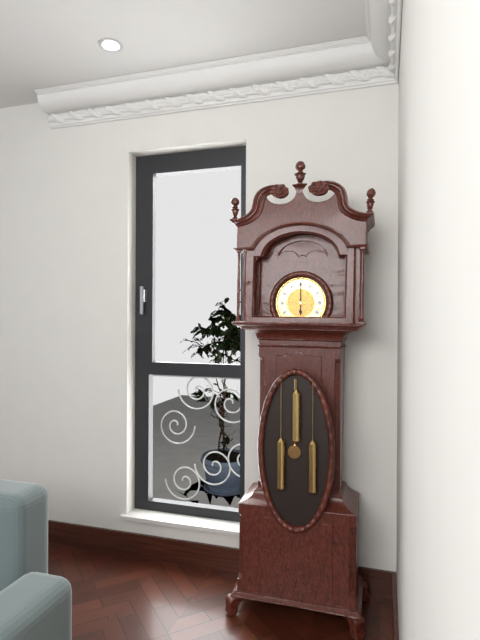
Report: 6 h 00 min
